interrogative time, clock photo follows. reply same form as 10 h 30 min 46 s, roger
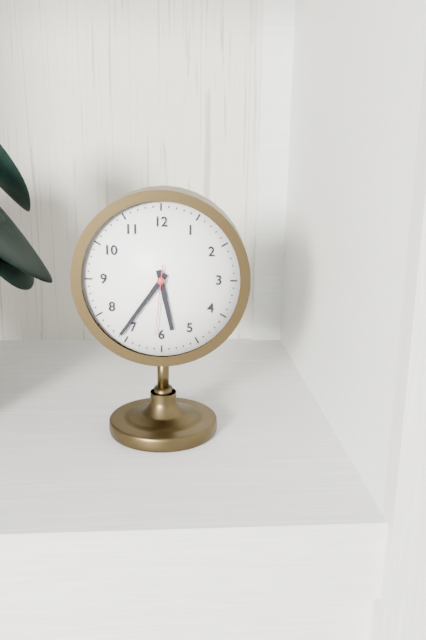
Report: 5 h 36 min 31 s
